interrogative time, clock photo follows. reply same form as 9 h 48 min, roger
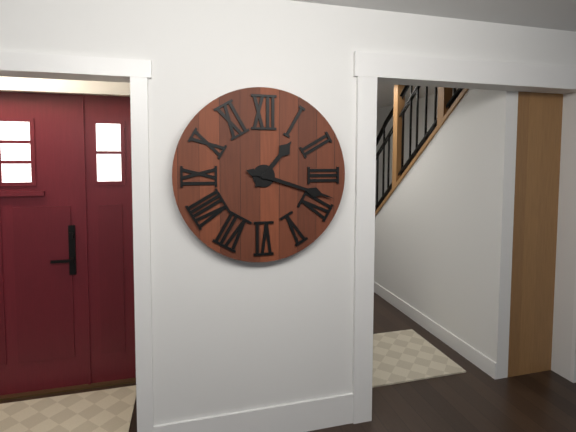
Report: 1 h 18 min
